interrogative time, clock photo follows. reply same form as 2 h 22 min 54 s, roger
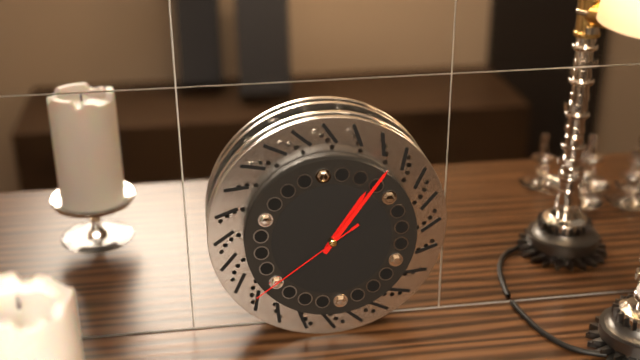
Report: 1 h 06 min 39 s
